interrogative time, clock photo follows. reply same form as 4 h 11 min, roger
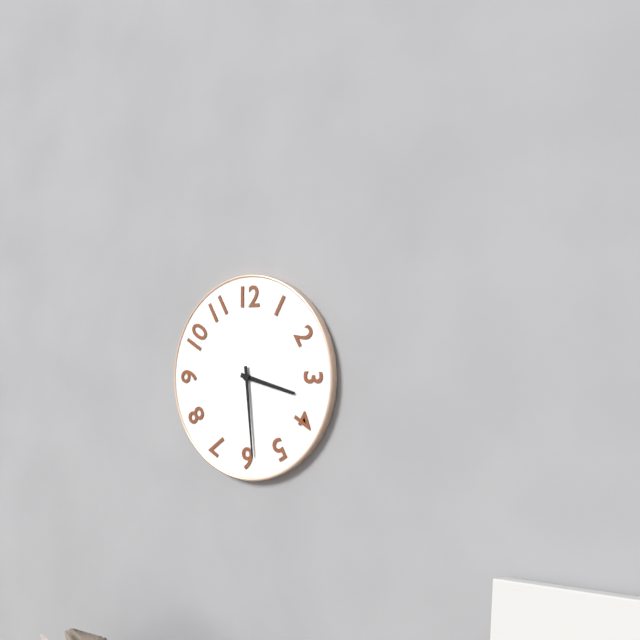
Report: 3 h 29 min
